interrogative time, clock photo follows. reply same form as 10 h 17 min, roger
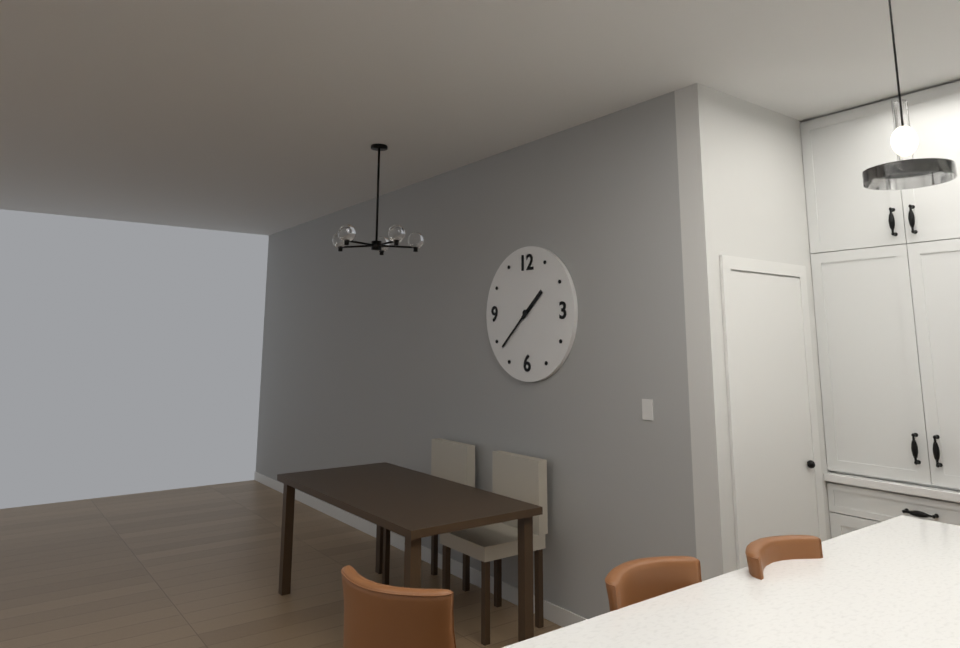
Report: 1 h 38 min
